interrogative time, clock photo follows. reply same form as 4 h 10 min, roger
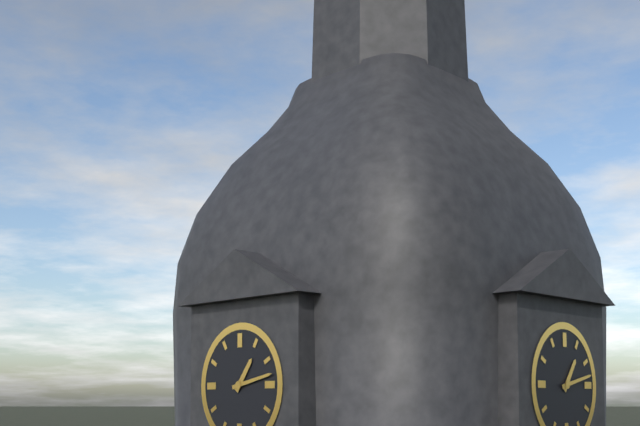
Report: 1 h 13 min
